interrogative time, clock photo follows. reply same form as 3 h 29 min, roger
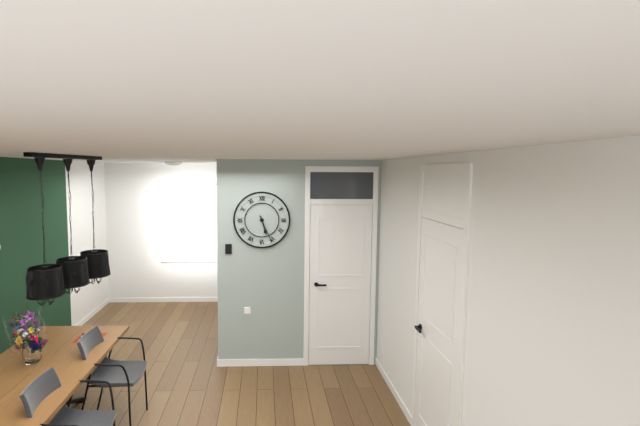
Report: 5 h 26 min
